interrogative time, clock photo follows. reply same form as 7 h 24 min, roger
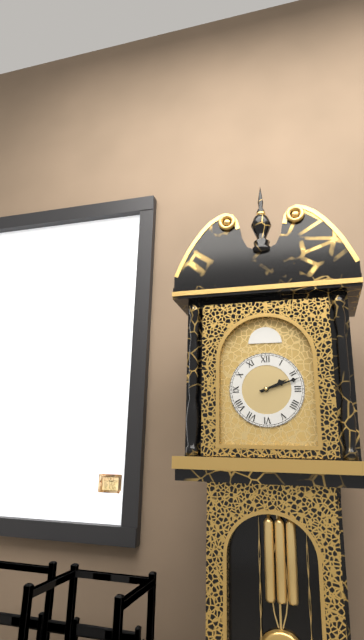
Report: 2 h 12 min
